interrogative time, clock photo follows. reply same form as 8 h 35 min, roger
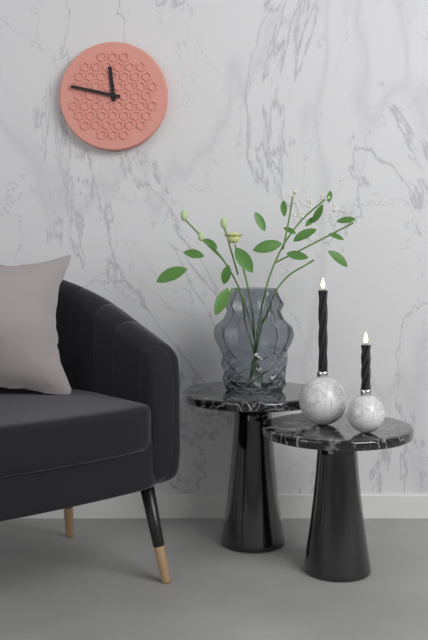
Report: 11 h 47 min
